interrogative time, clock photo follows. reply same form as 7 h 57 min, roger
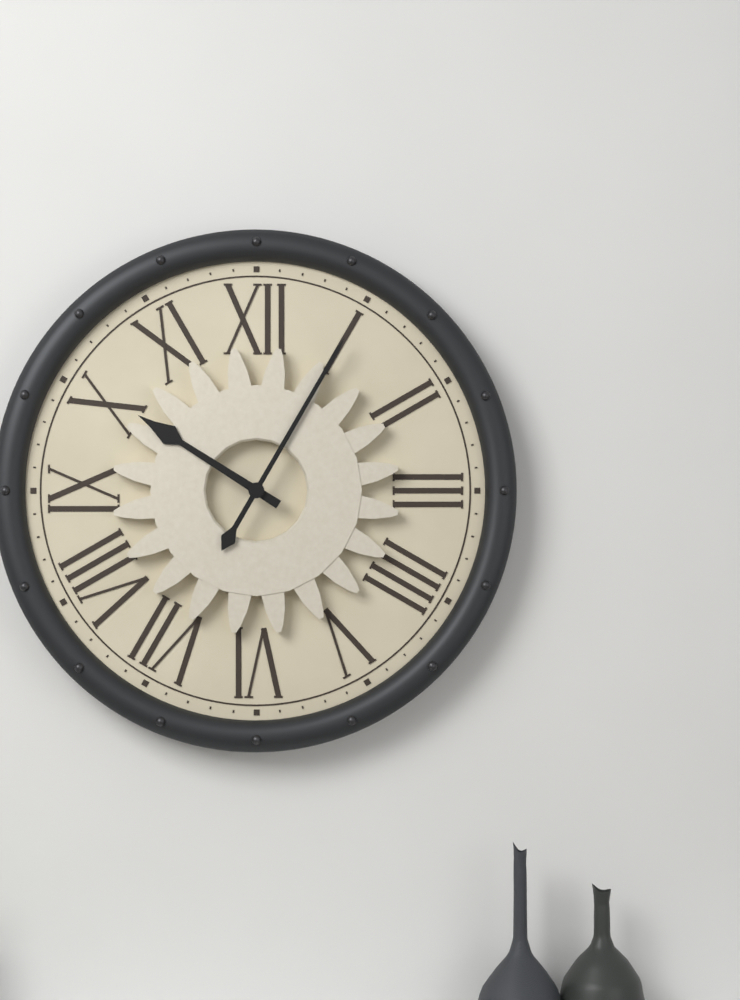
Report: 10 h 05 min
